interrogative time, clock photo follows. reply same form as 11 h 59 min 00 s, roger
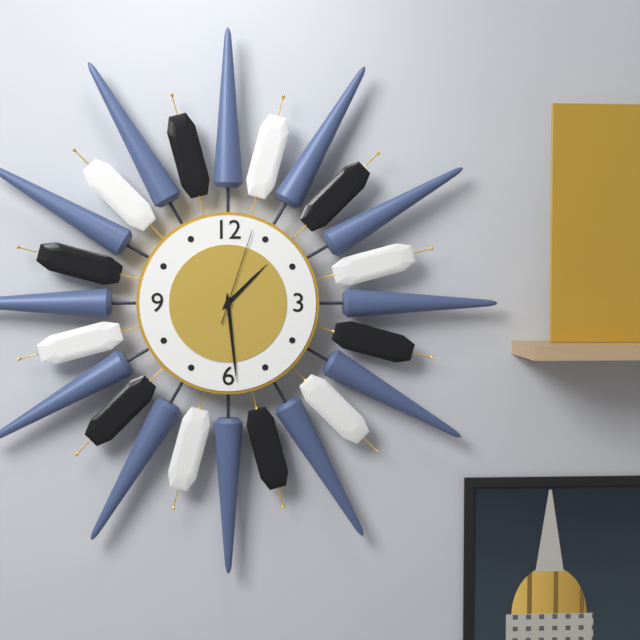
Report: 1 h 29 min 03 s
